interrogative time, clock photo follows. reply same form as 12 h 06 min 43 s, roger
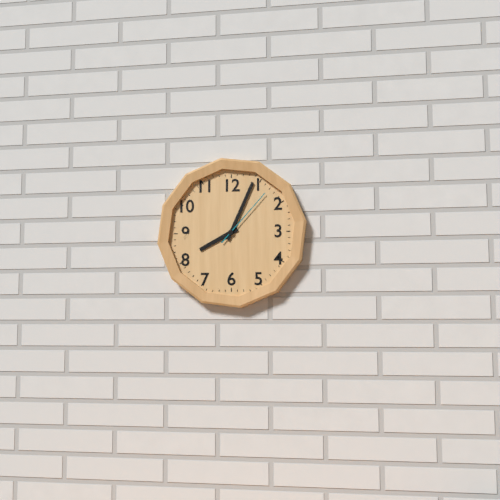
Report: 8 h 04 min 07 s
